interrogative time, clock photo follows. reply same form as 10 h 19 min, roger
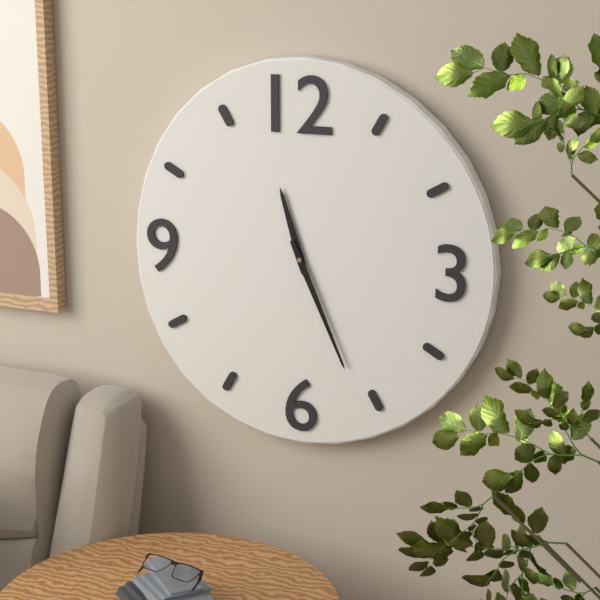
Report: 11 h 26 min
